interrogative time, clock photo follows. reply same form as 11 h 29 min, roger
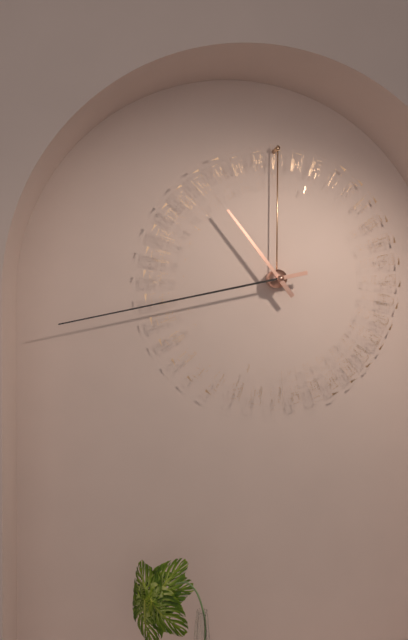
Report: 10 h 43 min
